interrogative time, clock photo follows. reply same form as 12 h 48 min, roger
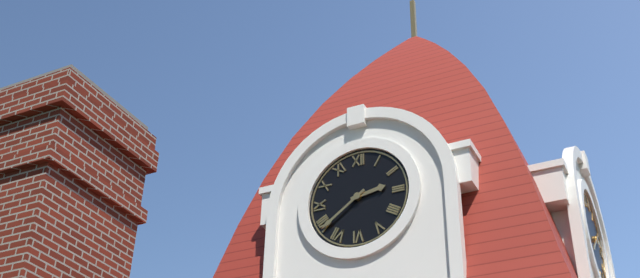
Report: 2 h 39 min
